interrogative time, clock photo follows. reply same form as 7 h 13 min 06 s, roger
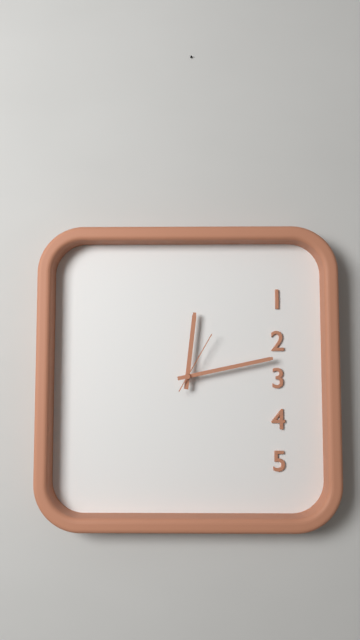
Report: 12 h 13 min 05 s
